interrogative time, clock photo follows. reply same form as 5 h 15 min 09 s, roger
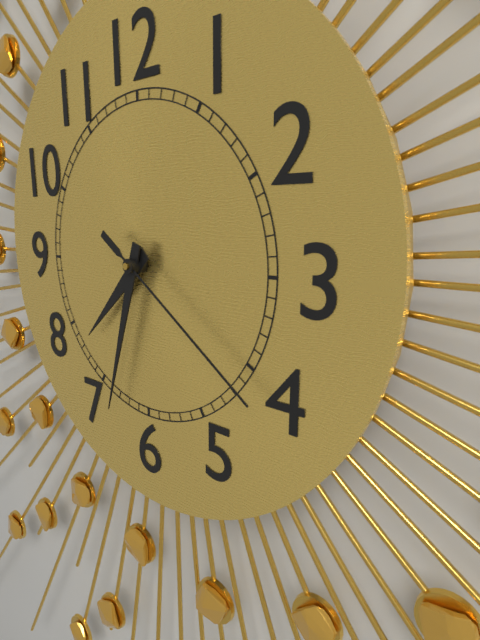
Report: 7 h 33 min 21 s
